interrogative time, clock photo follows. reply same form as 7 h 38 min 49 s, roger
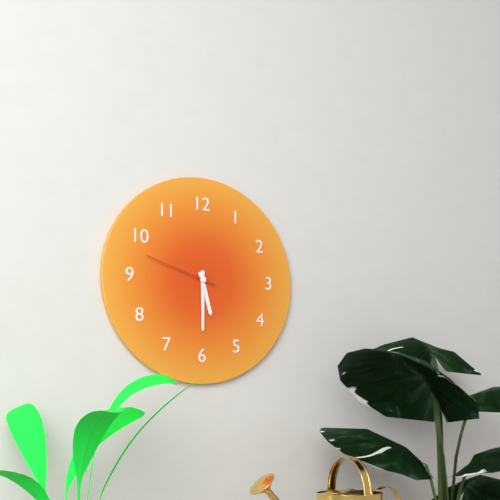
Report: 5 h 30 min 48 s
